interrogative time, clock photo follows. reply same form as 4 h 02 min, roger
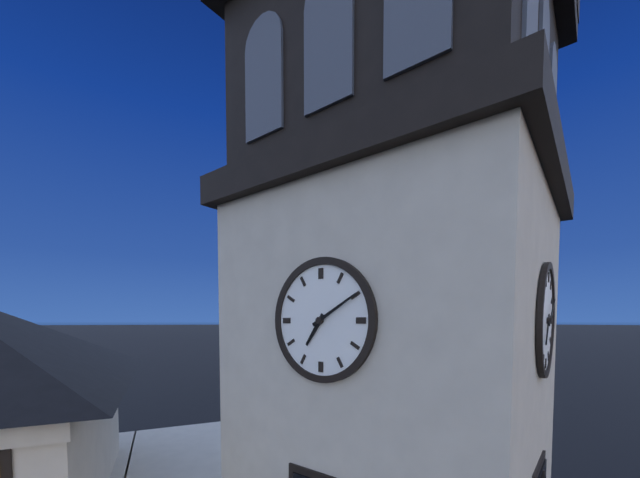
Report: 7 h 10 min
